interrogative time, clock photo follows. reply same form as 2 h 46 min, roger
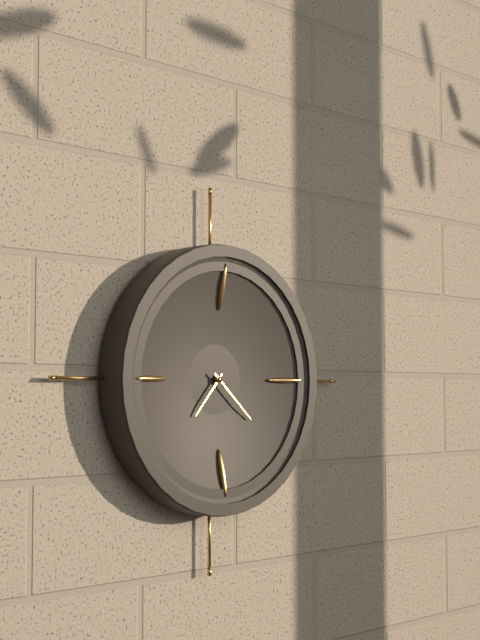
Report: 7 h 22 min
